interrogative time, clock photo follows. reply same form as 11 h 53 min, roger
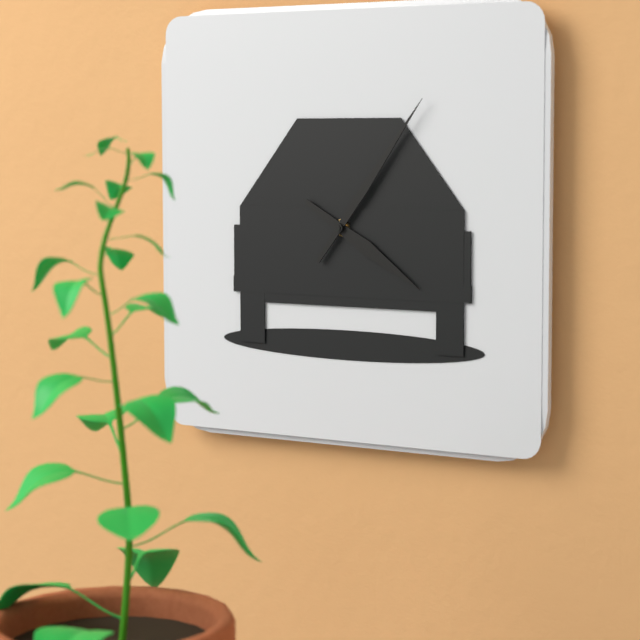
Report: 4 h 06 min
